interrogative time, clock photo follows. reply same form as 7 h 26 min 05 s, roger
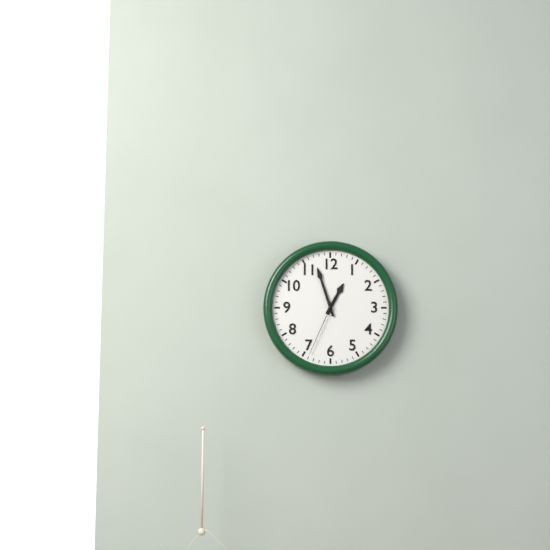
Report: 12 h 57 min 34 s
